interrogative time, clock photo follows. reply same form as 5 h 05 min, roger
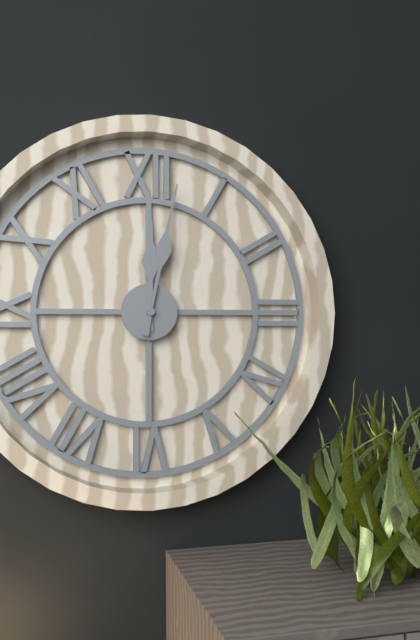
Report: 12 h 02 min
